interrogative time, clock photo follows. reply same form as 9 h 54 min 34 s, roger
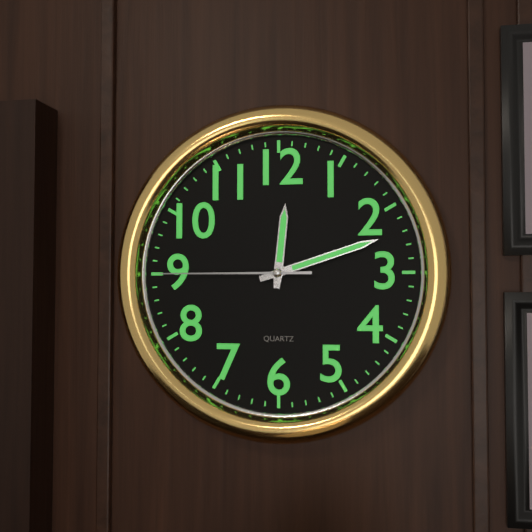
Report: 12 h 12 min 45 s
